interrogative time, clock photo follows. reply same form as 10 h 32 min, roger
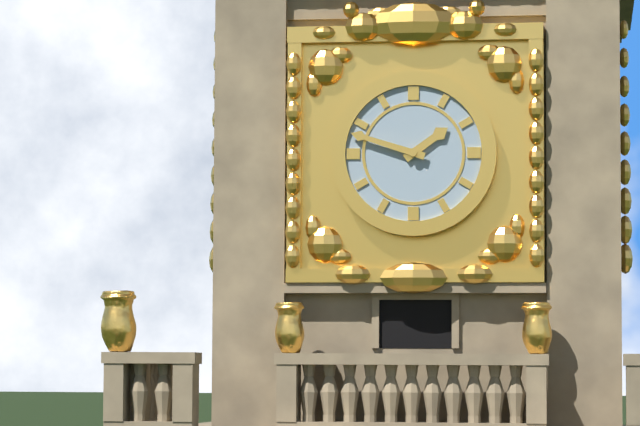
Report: 1 h 48 min
